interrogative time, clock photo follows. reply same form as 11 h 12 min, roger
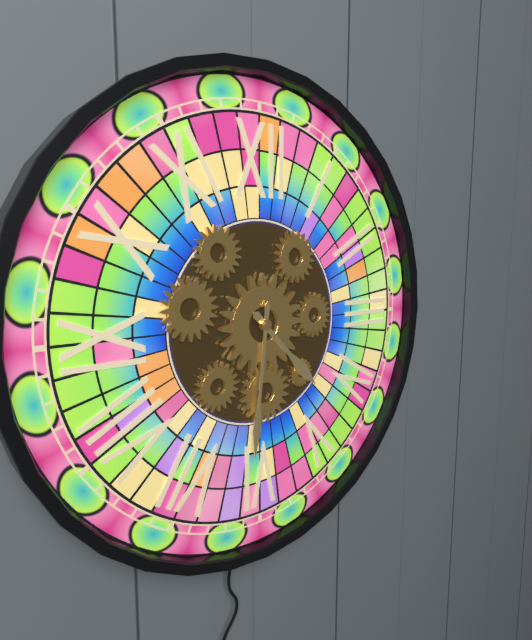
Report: 4 h 31 min
